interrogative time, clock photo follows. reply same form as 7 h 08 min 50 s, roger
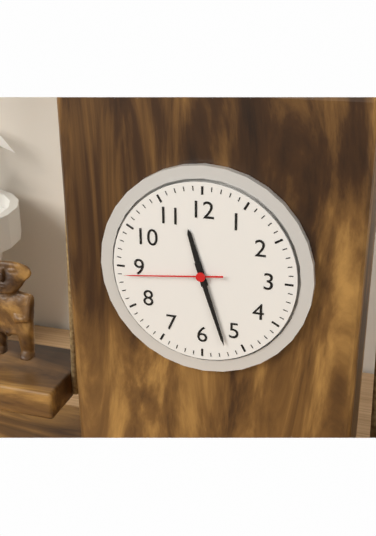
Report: 11 h 27 min 44 s
